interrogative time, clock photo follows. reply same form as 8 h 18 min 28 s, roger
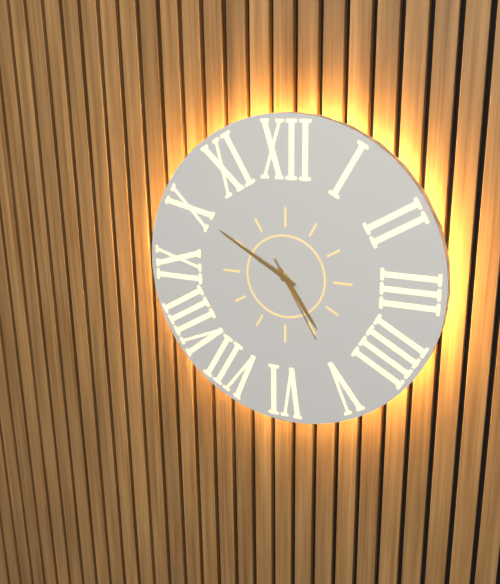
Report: 4 h 50 min 25 s
